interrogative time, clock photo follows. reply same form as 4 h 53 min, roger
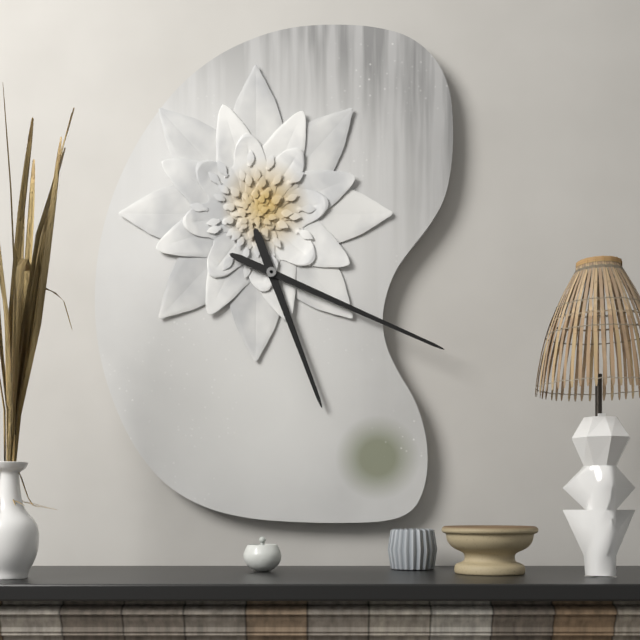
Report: 5 h 19 min
